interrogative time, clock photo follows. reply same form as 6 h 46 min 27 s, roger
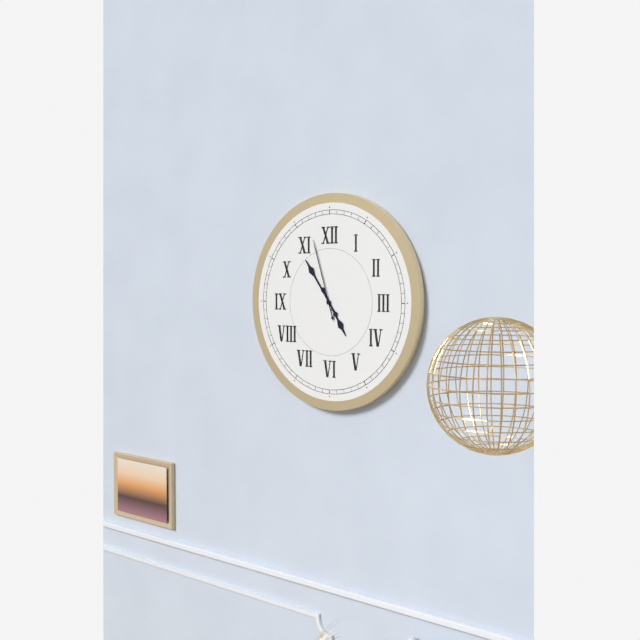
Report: 4 h 54 min 57 s
